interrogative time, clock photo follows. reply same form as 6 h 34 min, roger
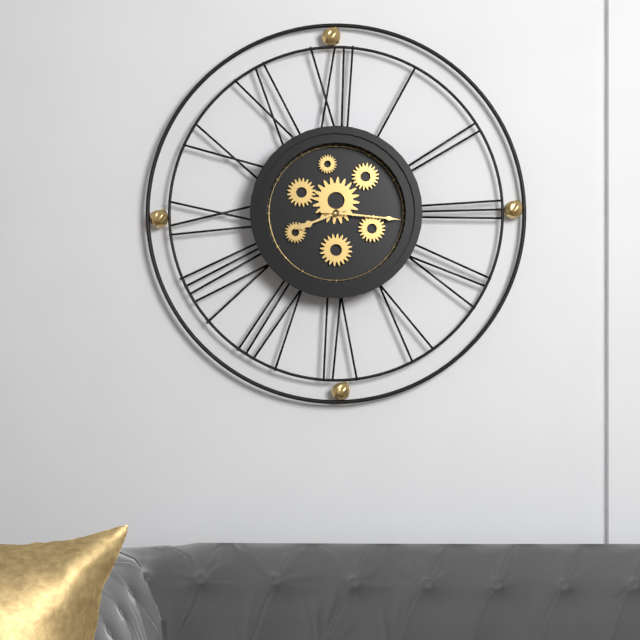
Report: 8 h 16 min
